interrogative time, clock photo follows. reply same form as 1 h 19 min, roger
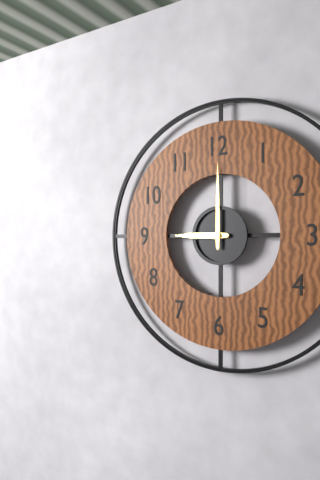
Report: 9 h 00 min
